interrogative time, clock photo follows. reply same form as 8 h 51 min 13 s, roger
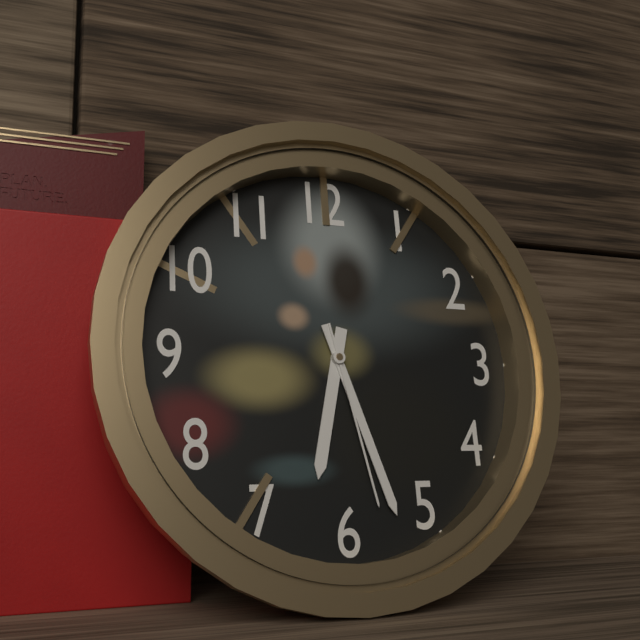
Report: 6 h 27 min 28 s
